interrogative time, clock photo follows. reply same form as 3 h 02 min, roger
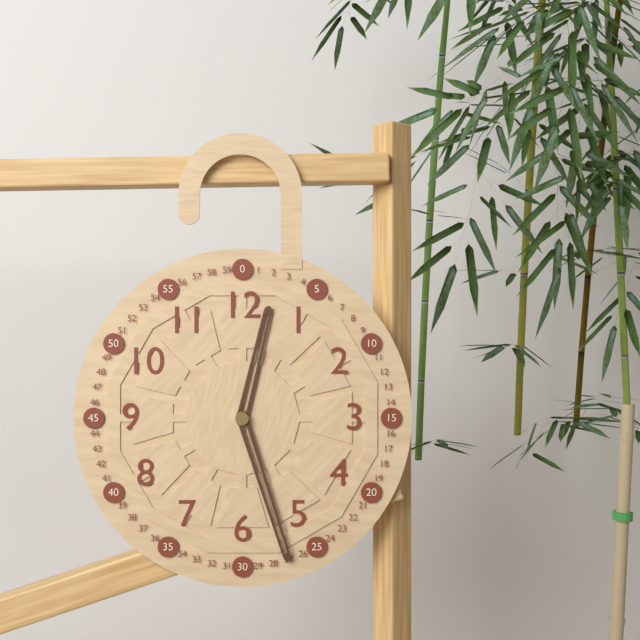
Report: 12 h 27 min
